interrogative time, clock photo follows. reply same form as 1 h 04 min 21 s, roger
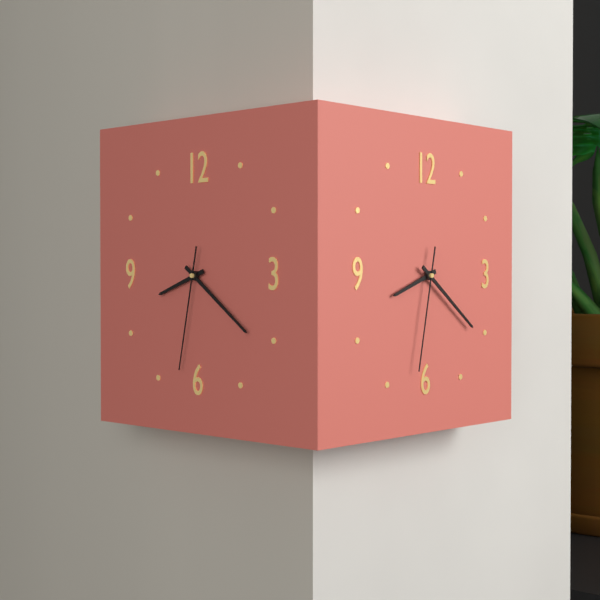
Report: 8 h 21 min 32 s
